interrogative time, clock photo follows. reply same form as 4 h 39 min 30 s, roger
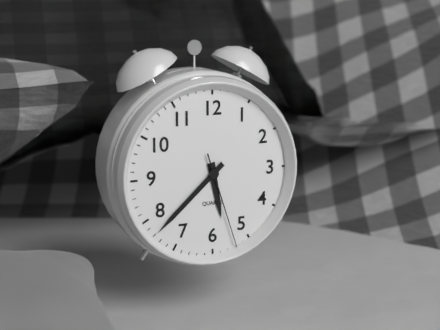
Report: 5 h 38 min 27 s
